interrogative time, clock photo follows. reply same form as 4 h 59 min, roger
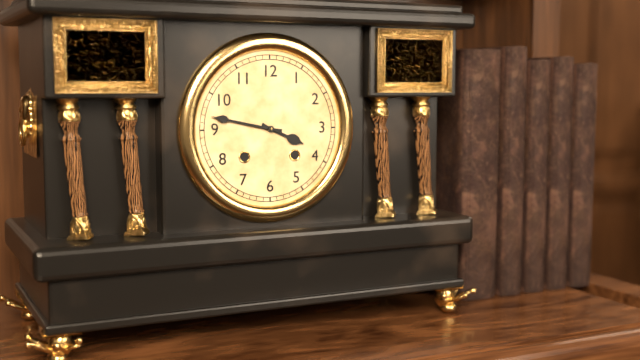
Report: 3 h 47 min
